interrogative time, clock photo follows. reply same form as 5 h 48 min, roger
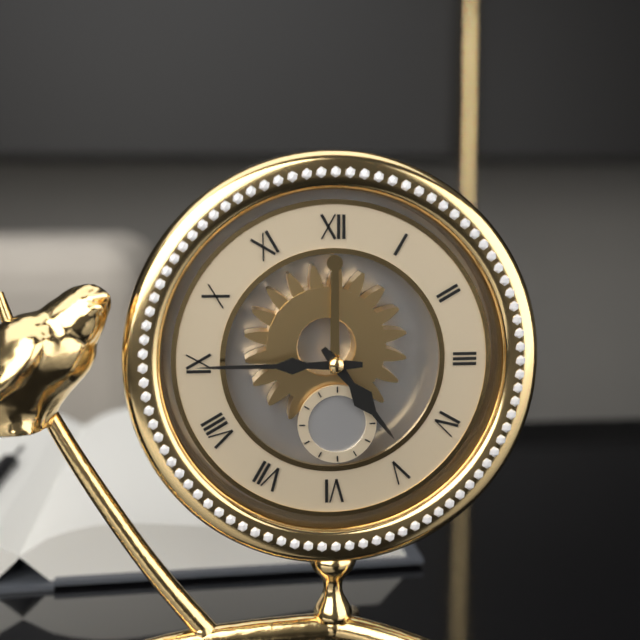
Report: 4 h 45 min
